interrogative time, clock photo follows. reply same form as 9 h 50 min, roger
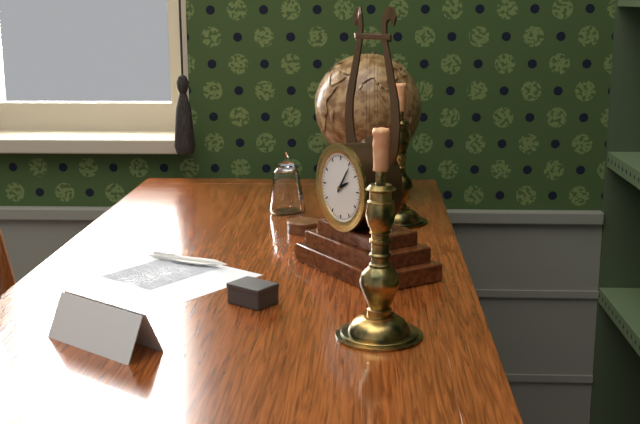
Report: 2 h 06 min
